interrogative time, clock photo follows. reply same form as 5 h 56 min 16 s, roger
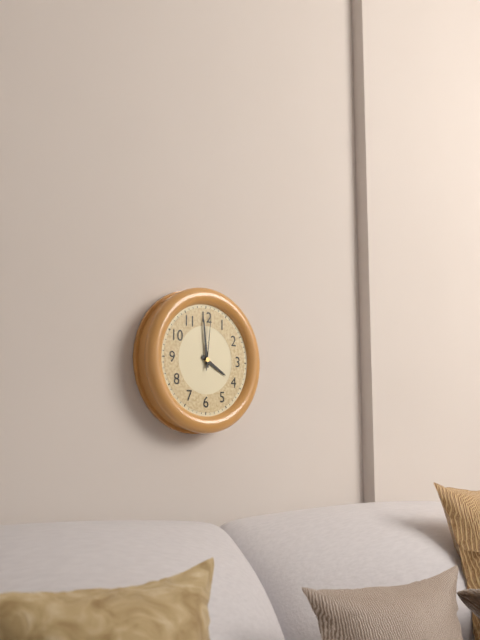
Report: 3 h 59 min 01 s
